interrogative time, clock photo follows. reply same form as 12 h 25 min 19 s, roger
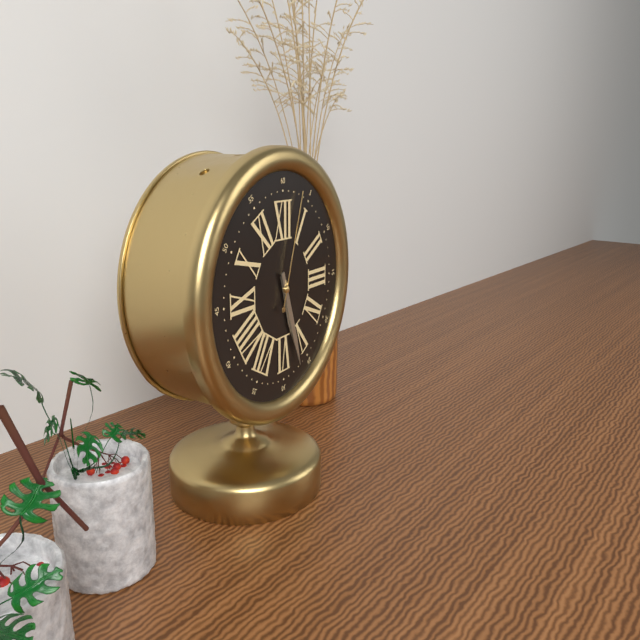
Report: 5 h 27 min 03 s
